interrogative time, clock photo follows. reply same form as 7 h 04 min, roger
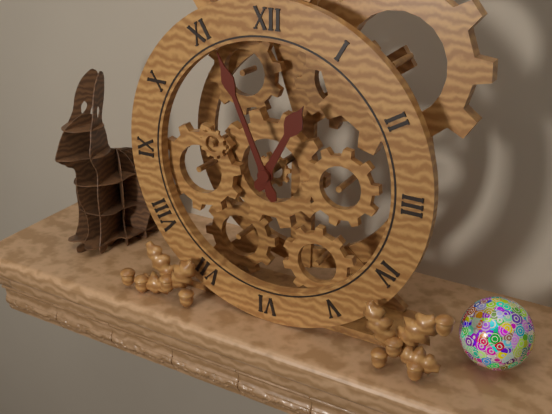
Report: 12 h 56 min
